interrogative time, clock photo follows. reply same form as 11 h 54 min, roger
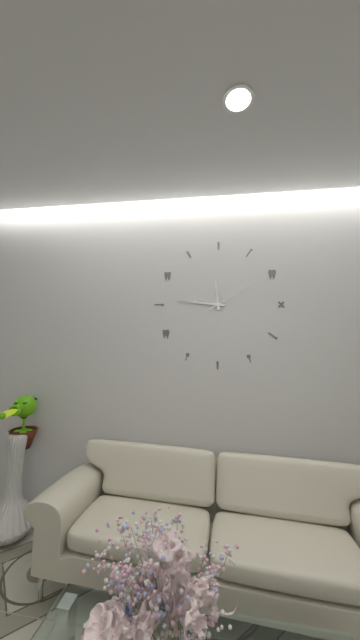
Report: 11 h 46 min
